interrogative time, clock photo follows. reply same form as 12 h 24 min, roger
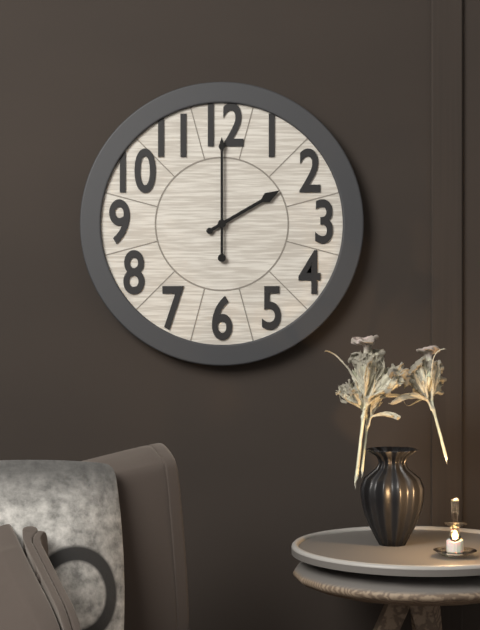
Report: 2 h 00 min
